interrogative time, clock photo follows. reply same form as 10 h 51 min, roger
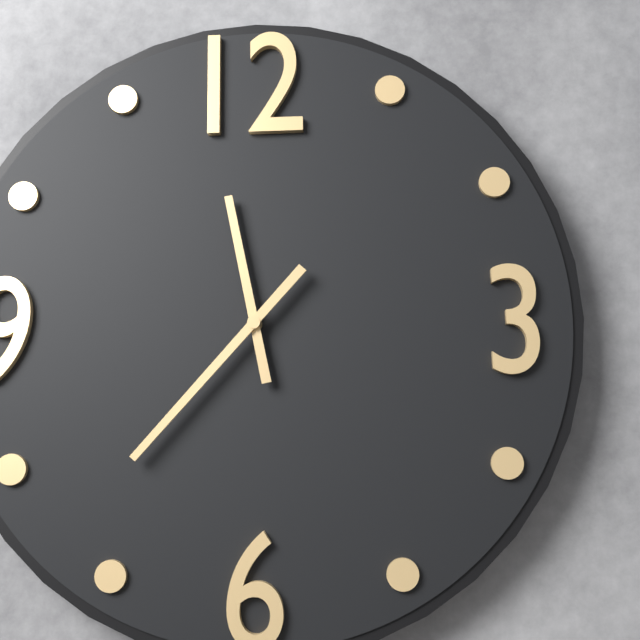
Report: 11 h 37 min
